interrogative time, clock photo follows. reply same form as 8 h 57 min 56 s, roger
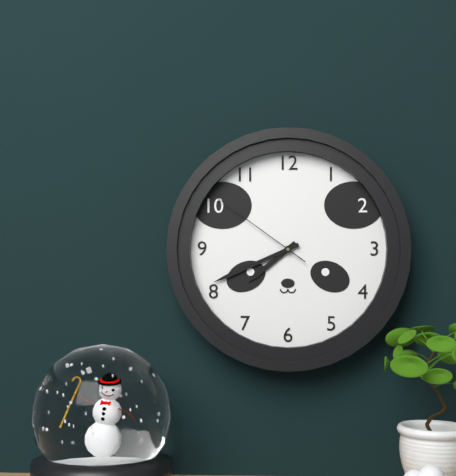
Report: 7 h 41 min 51 s
